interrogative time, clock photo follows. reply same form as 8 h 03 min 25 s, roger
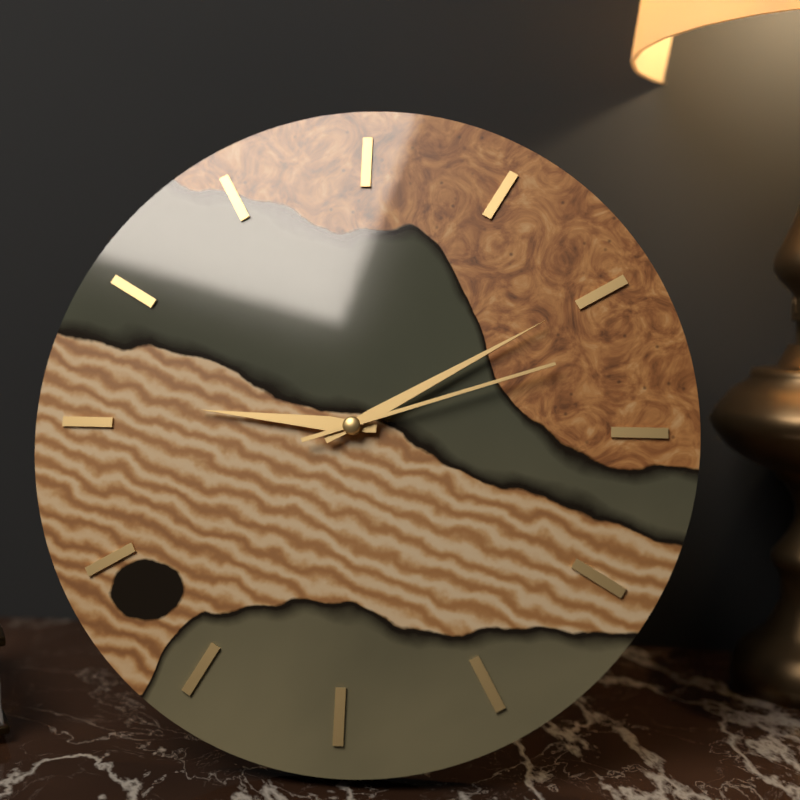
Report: 9 h 10 min 12 s
